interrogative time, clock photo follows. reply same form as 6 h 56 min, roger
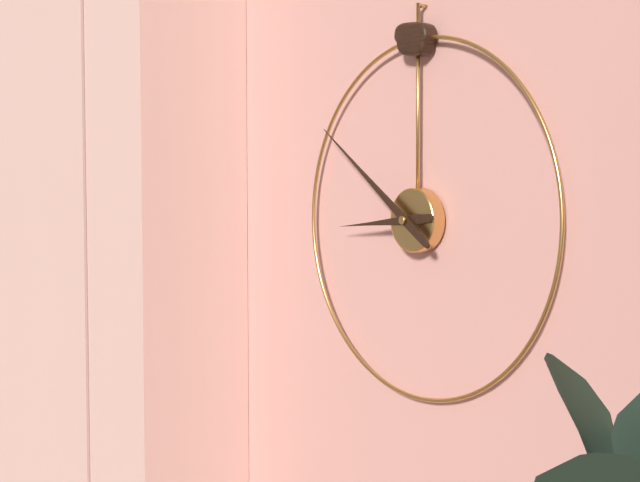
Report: 8 h 51 min
